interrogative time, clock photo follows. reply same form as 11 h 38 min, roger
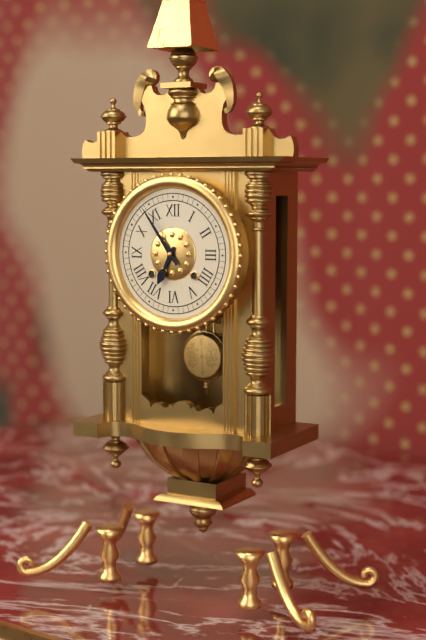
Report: 6 h 54 min
